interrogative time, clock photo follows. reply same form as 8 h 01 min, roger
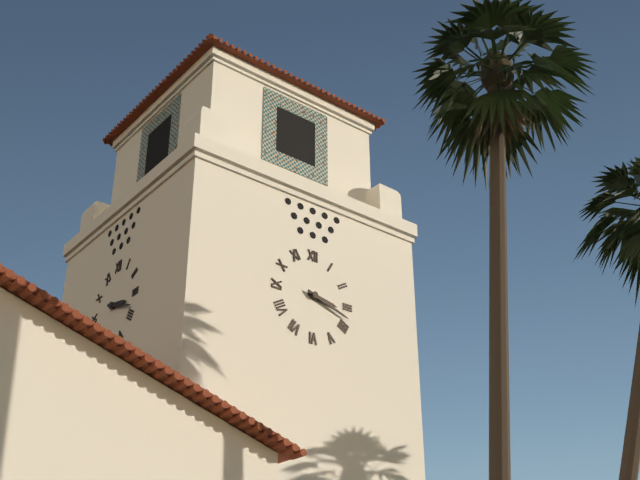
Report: 3 h 18 min
